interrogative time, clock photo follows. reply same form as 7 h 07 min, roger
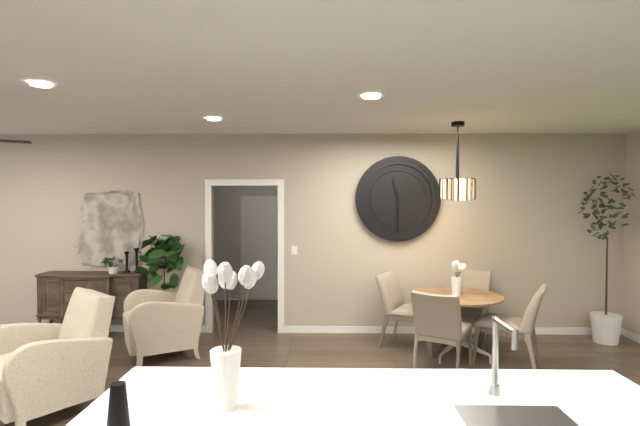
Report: 11 h 30 min
